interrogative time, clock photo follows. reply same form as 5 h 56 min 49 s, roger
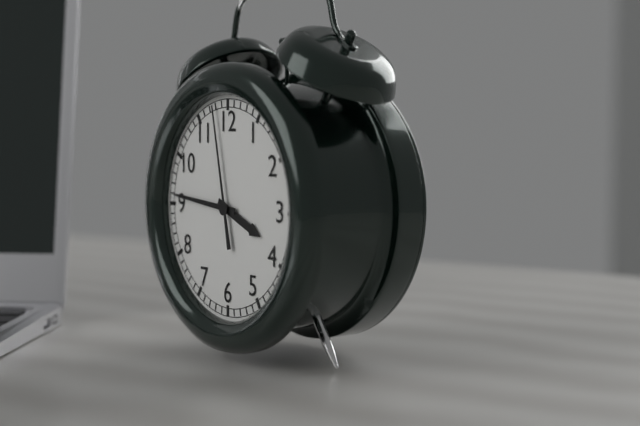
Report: 3 h 46 min 58 s
